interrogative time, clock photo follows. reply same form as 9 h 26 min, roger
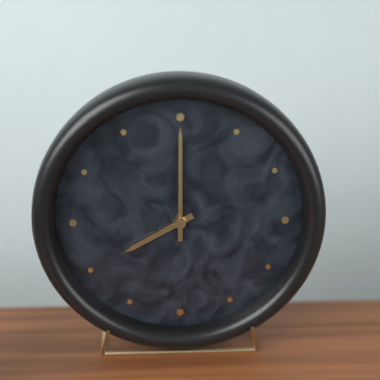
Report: 8 h 00 min
